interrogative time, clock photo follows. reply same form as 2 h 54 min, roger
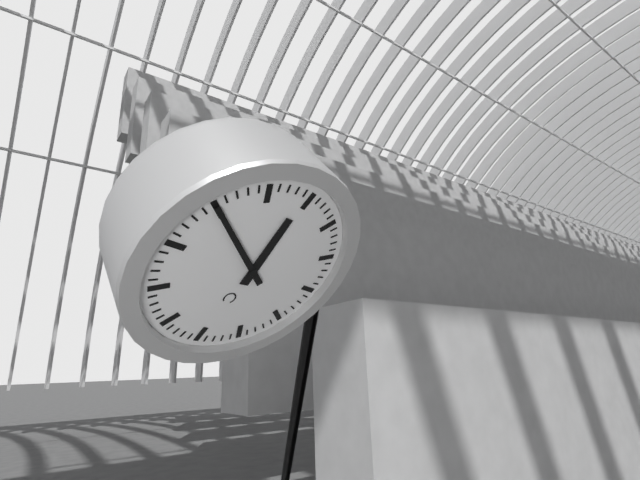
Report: 11 h 50 min
